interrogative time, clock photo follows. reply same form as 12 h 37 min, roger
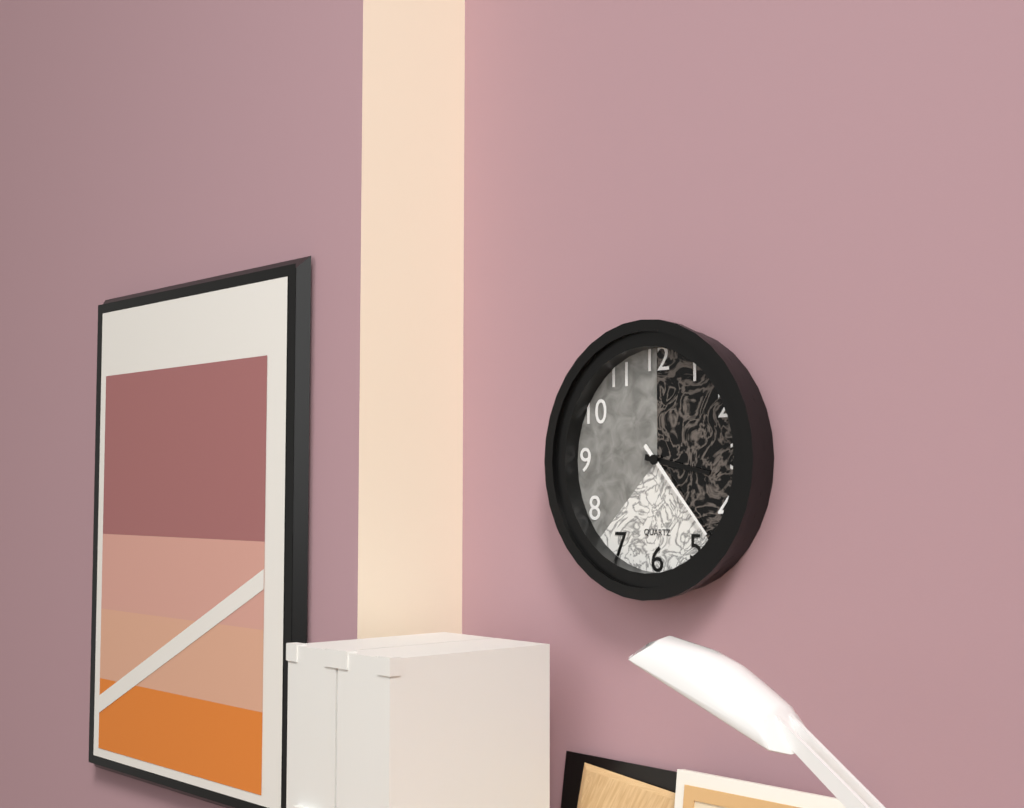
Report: 3 h 23 min
